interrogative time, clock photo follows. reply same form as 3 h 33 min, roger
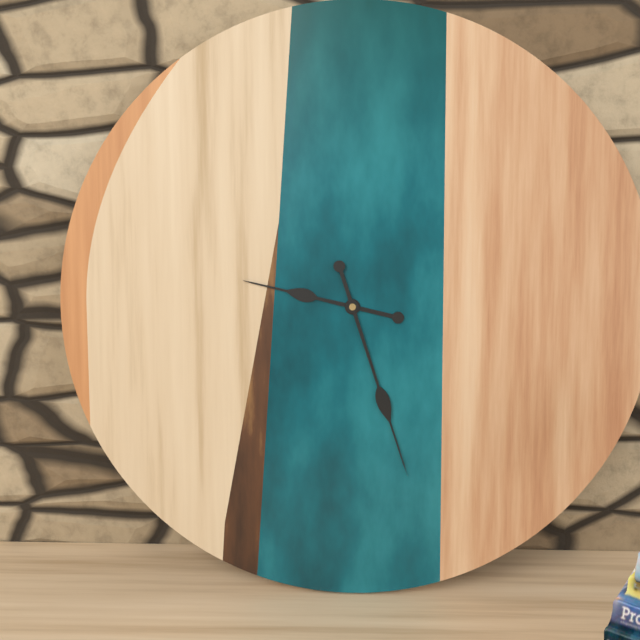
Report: 9 h 27 min
